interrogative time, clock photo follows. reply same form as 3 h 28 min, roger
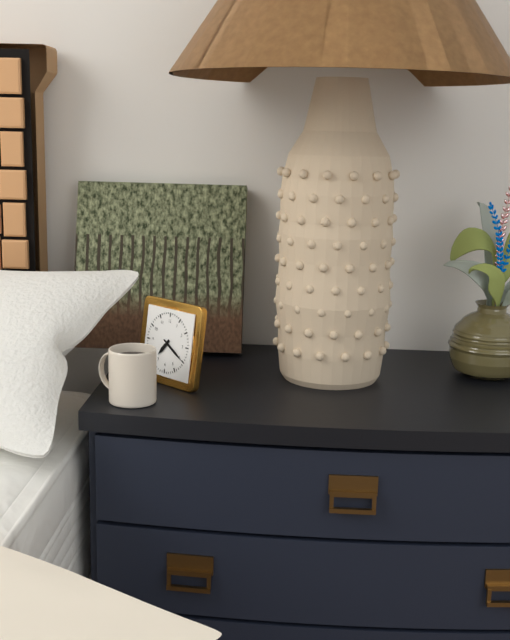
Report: 7 h 20 min
